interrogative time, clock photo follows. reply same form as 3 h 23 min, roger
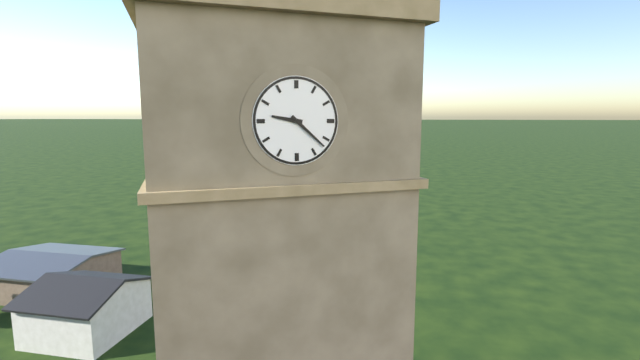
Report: 9 h 22 min
